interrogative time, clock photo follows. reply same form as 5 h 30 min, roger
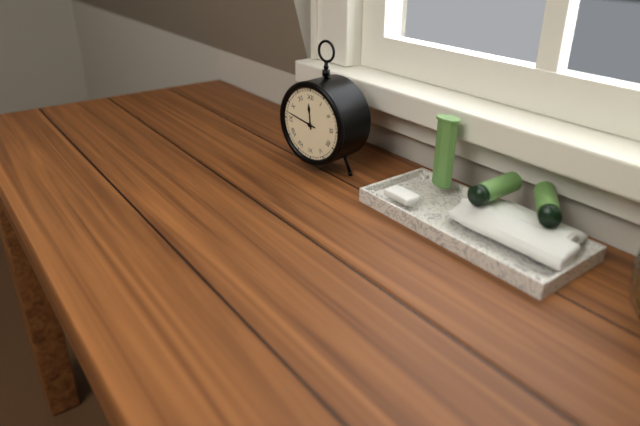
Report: 11 h 47 min
